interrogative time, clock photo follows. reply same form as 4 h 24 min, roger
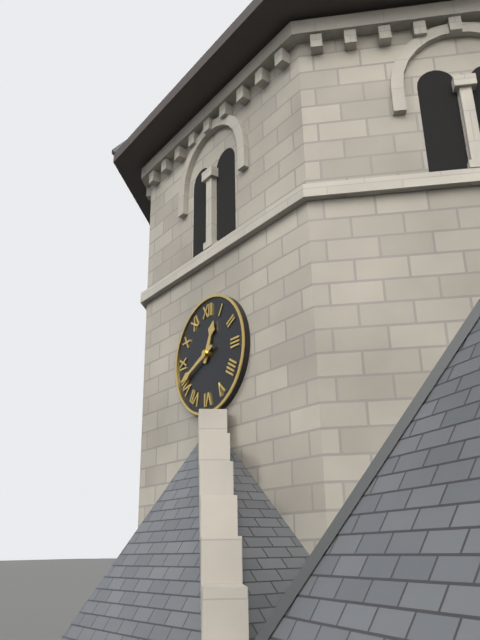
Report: 12 h 41 min
